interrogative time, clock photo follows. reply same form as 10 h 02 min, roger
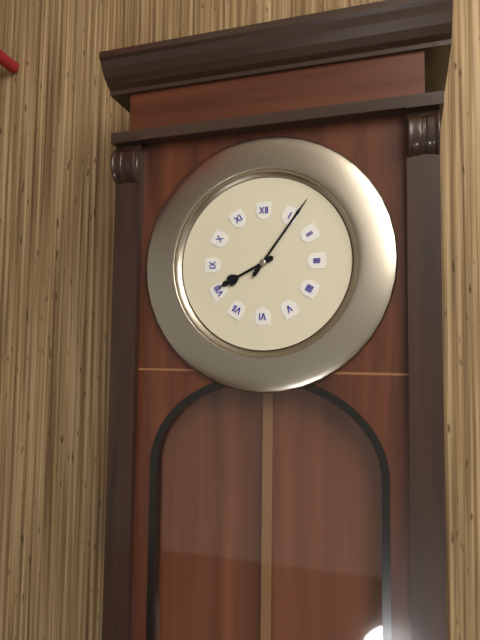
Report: 8 h 06 min
